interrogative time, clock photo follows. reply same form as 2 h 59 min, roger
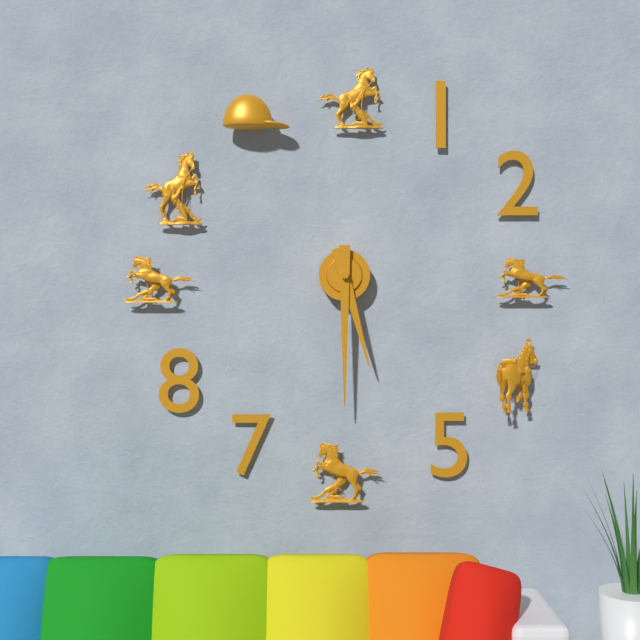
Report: 5 h 30 min
